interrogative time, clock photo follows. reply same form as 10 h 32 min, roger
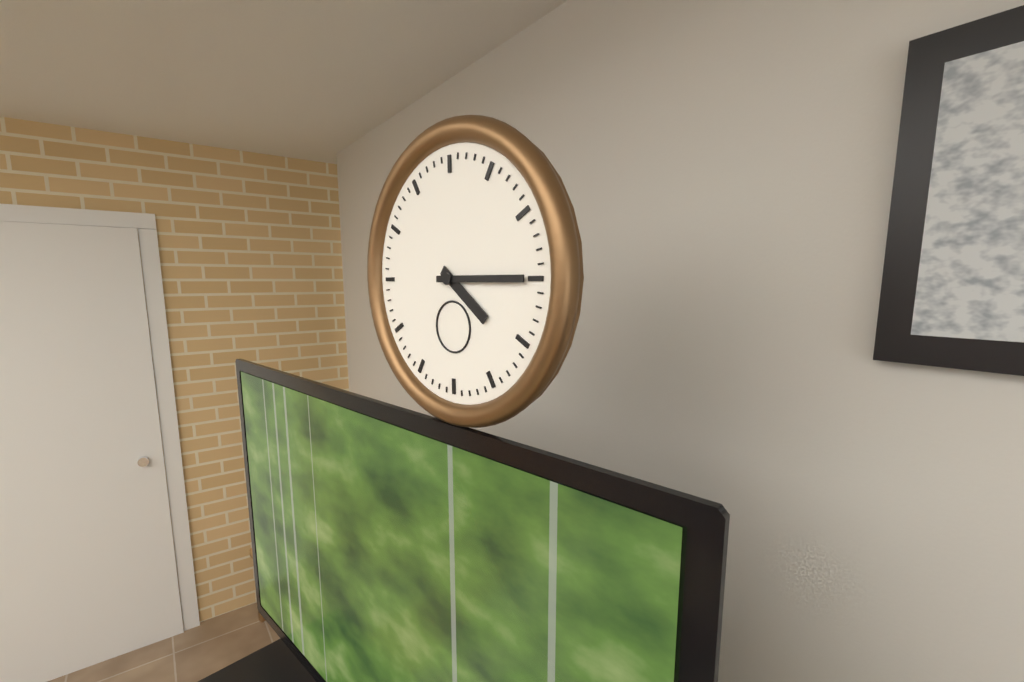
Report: 4 h 15 min
